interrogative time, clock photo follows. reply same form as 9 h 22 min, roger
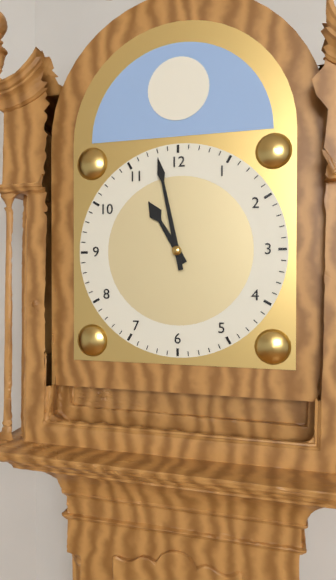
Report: 10 h 58 min
